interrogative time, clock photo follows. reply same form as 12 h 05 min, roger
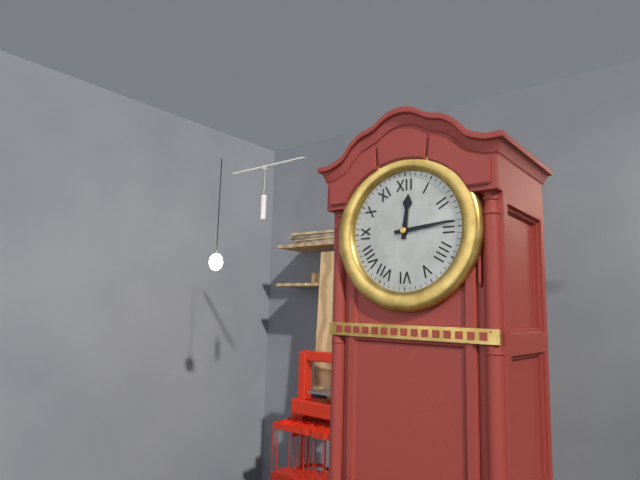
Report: 12 h 14 min
